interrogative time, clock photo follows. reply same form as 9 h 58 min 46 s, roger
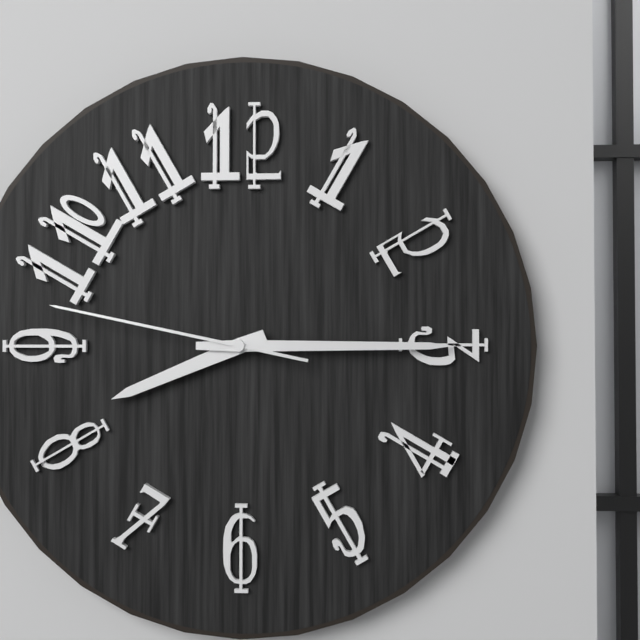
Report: 8 h 15 min 47 s
